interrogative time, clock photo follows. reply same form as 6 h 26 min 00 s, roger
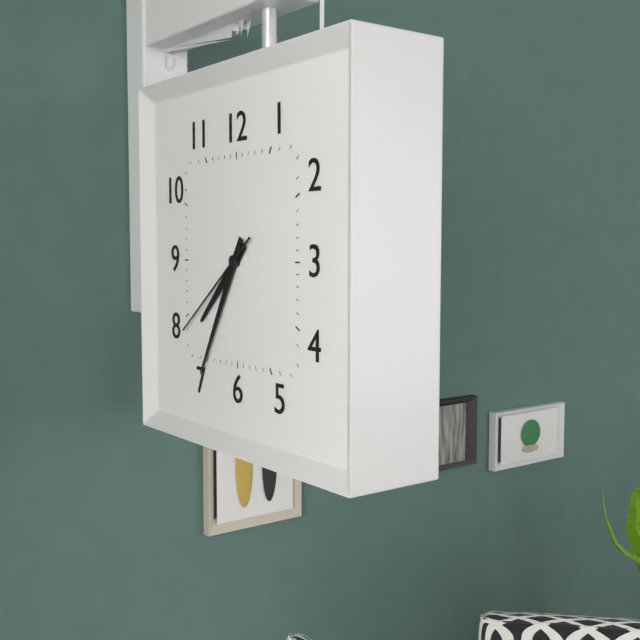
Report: 7 h 35 min 39 s
